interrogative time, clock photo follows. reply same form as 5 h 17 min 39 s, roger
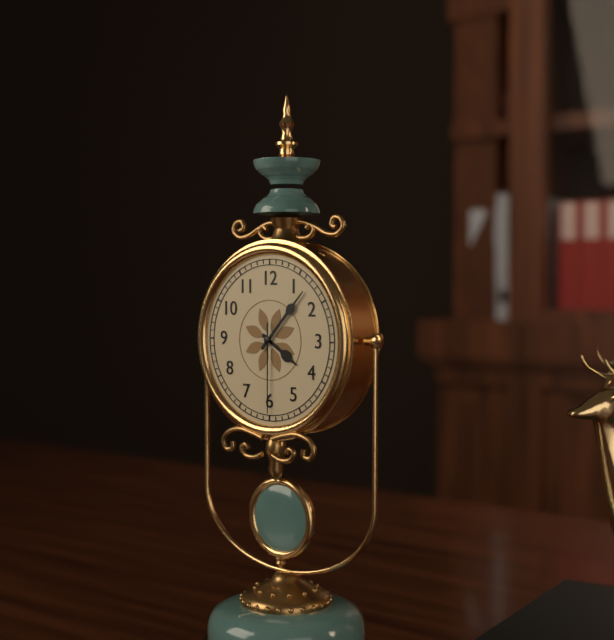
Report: 4 h 07 min 30 s
